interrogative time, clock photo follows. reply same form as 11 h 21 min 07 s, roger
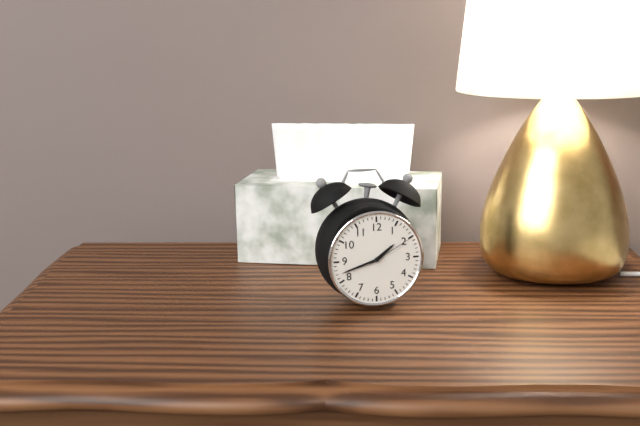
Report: 1 h 42 min 10 s
